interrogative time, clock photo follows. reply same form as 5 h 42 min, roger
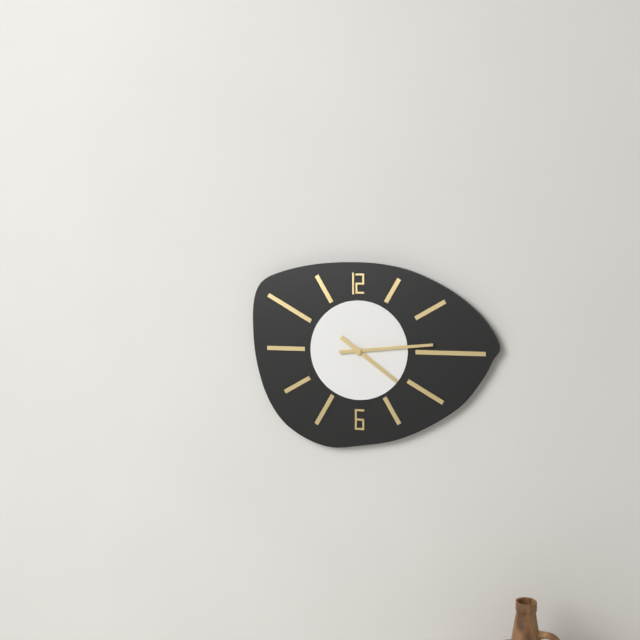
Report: 4 h 14 min
